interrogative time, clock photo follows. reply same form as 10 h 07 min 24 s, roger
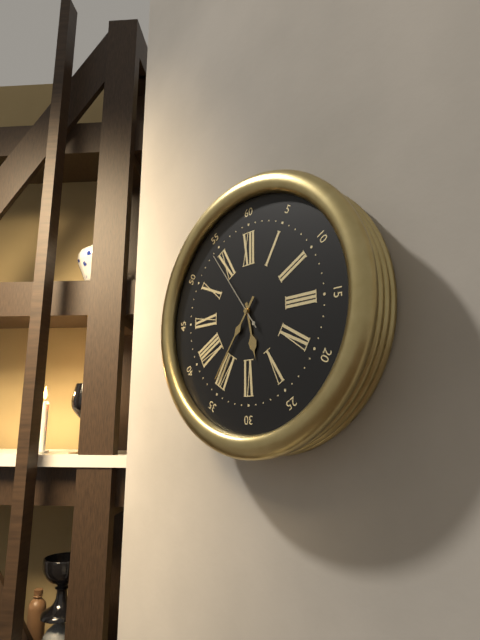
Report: 5 h 36 min 54 s
